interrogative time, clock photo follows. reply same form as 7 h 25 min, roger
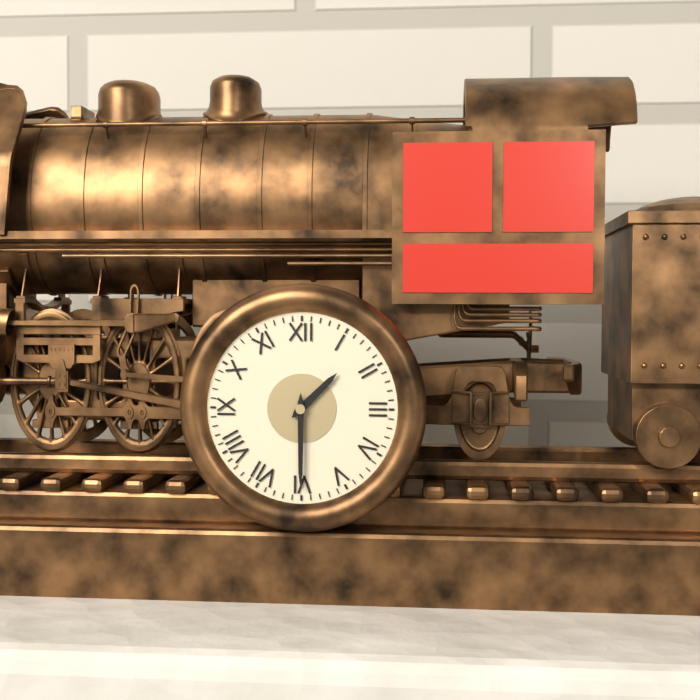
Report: 1 h 30 min
